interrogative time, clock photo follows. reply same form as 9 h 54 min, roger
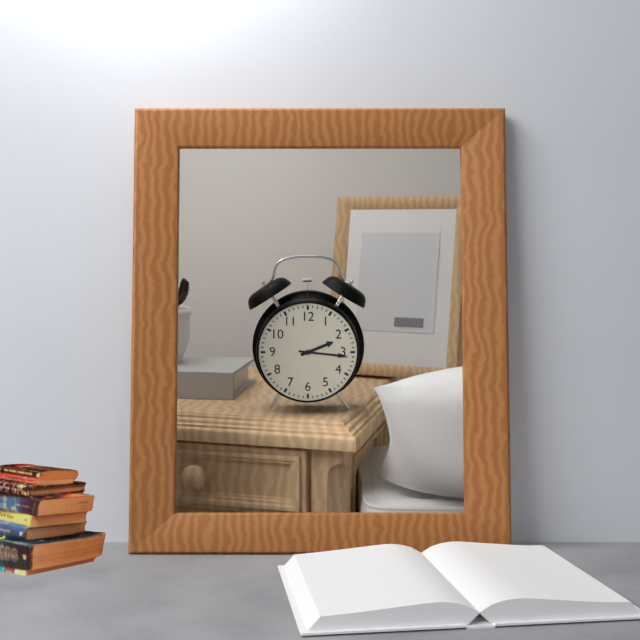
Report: 2 h 16 min
